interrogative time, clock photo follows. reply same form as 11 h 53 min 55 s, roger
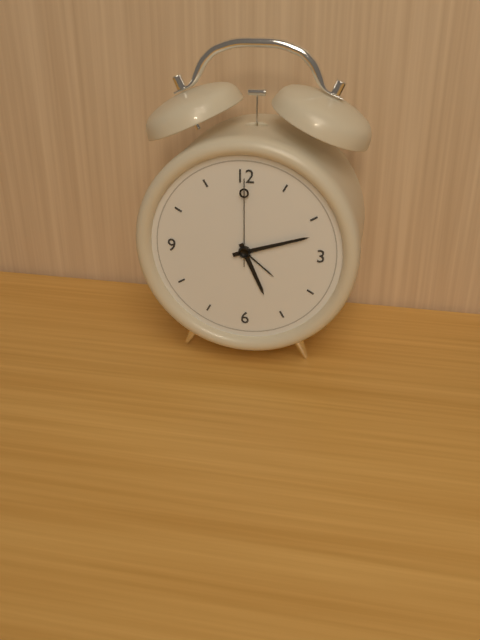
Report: 5 h 12 min 00 s
